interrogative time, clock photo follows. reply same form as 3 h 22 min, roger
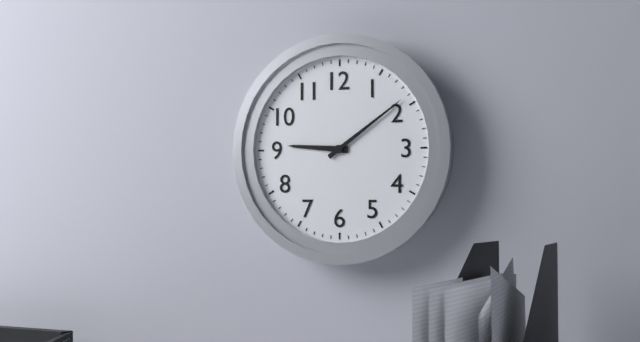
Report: 9 h 09 min
